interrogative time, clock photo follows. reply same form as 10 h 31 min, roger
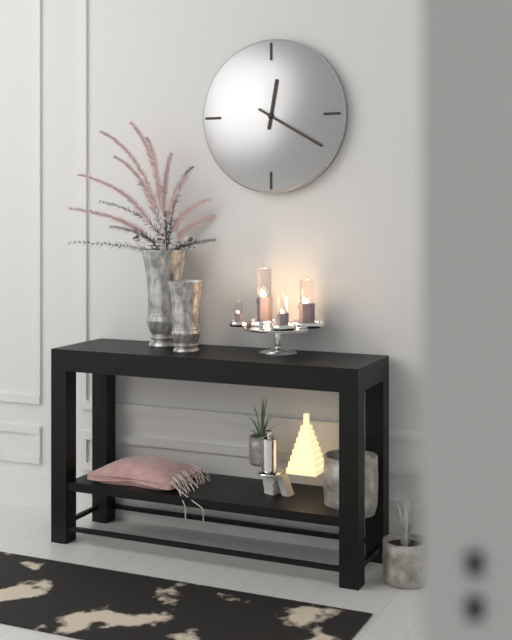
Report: 12 h 20 min
